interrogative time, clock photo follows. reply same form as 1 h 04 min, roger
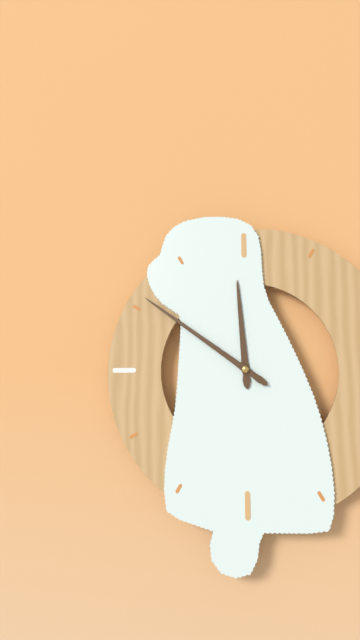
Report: 11 h 51 min
